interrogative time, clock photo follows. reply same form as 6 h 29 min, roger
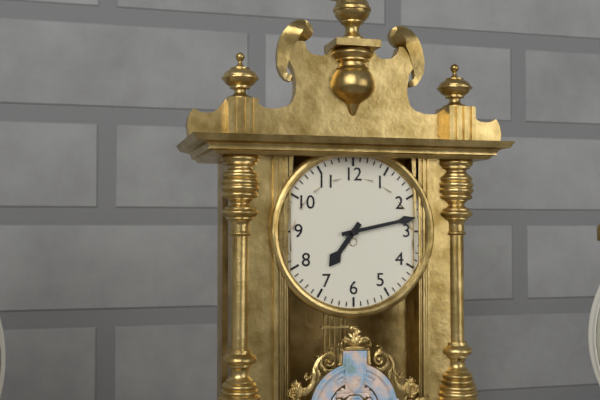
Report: 7 h 13 min
